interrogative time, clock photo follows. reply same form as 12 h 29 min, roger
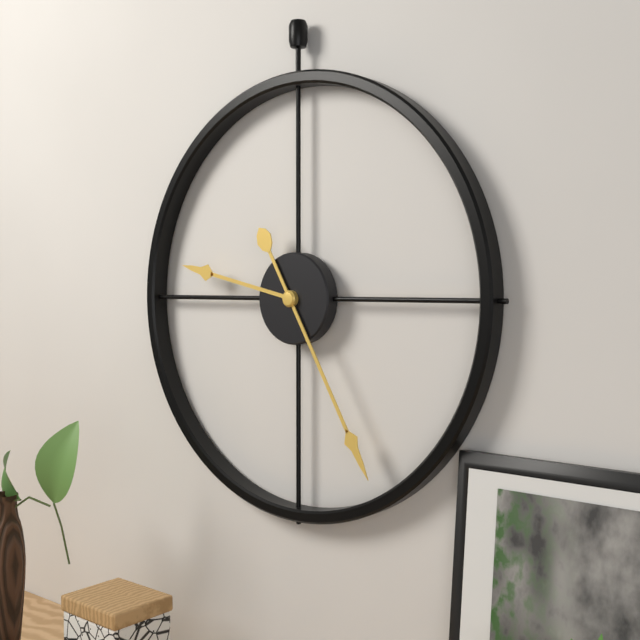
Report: 9 h 25 min
